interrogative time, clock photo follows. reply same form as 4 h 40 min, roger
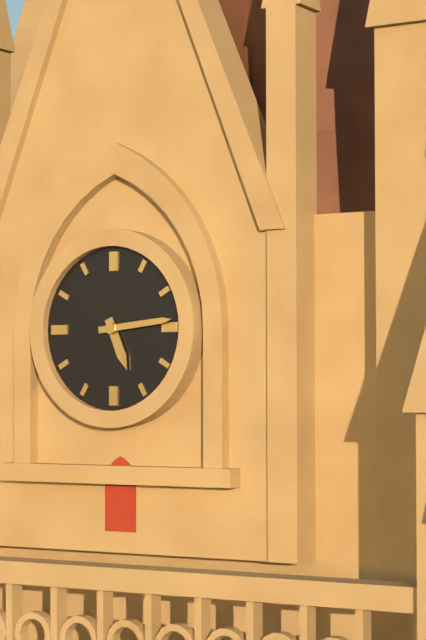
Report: 5 h 14 min
